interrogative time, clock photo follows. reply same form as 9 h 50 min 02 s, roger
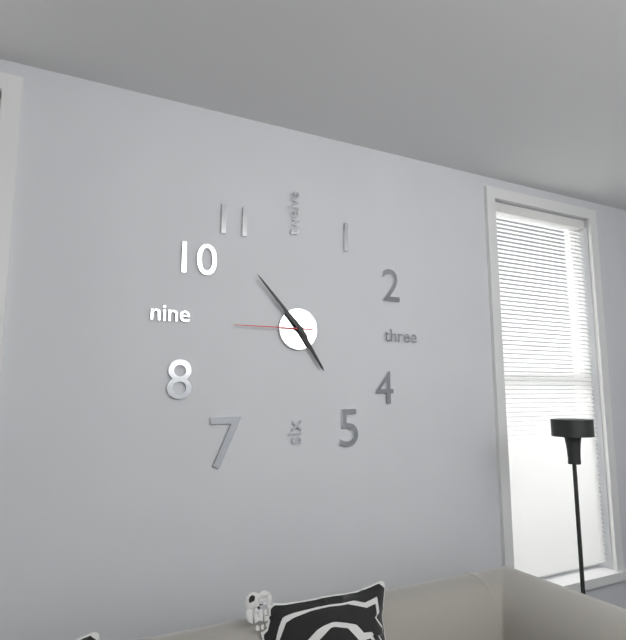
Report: 4 h 53 min 45 s
